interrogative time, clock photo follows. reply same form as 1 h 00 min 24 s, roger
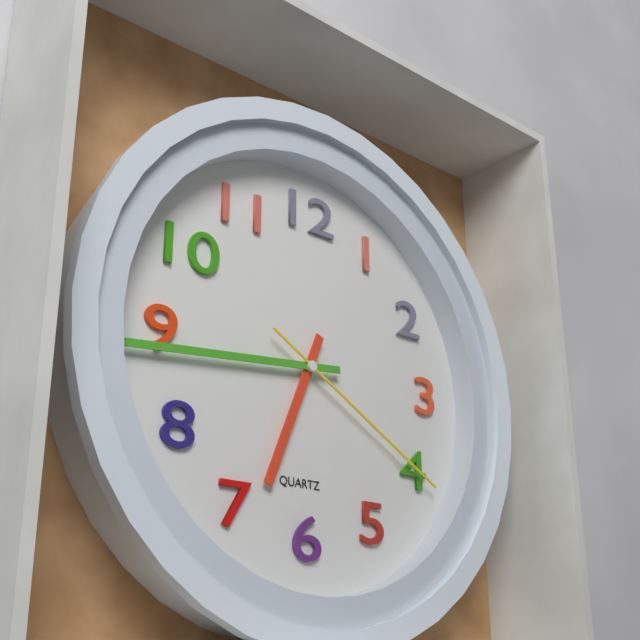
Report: 6 h 44 min 20 s
